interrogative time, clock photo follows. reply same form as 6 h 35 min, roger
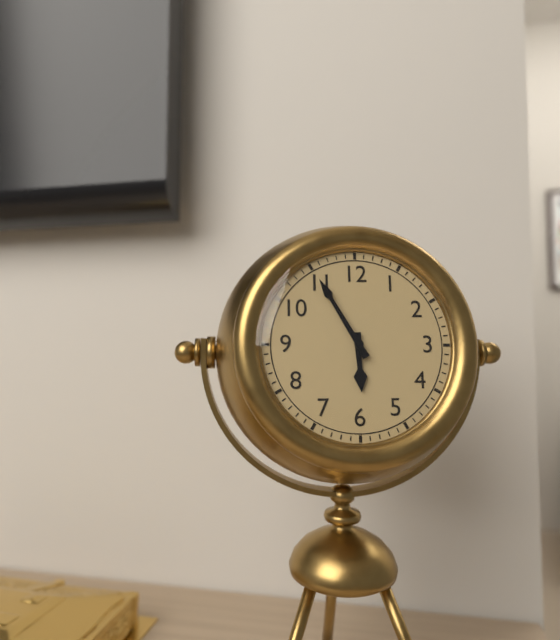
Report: 5 h 55 min
